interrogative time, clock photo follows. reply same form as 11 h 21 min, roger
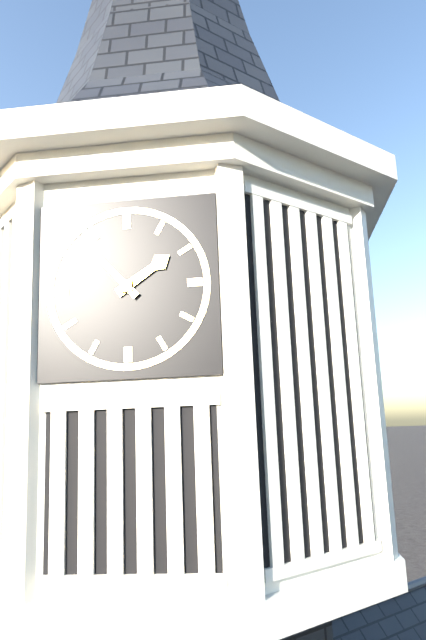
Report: 1 h 53 min
